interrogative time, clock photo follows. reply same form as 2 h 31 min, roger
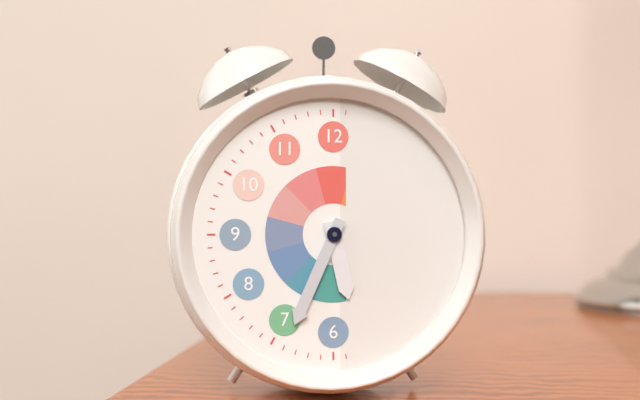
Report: 5 h 34 min
